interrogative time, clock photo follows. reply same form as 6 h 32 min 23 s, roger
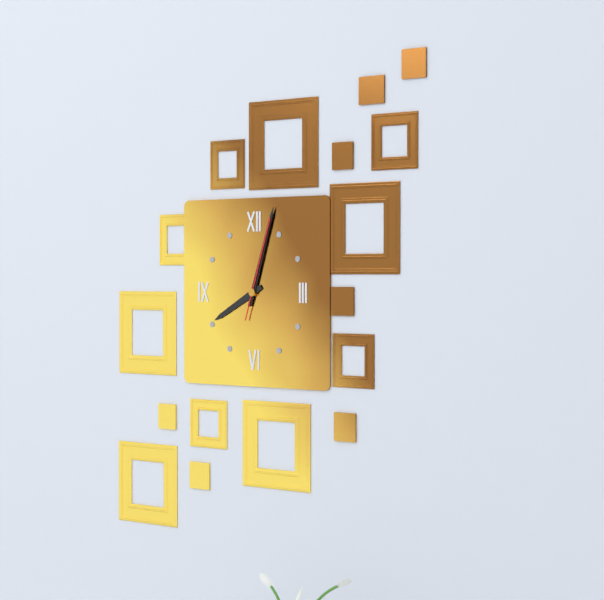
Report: 8 h 03 min 03 s
